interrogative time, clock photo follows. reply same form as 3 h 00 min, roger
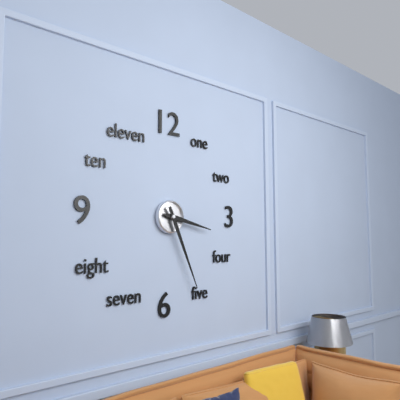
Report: 3 h 26 min
